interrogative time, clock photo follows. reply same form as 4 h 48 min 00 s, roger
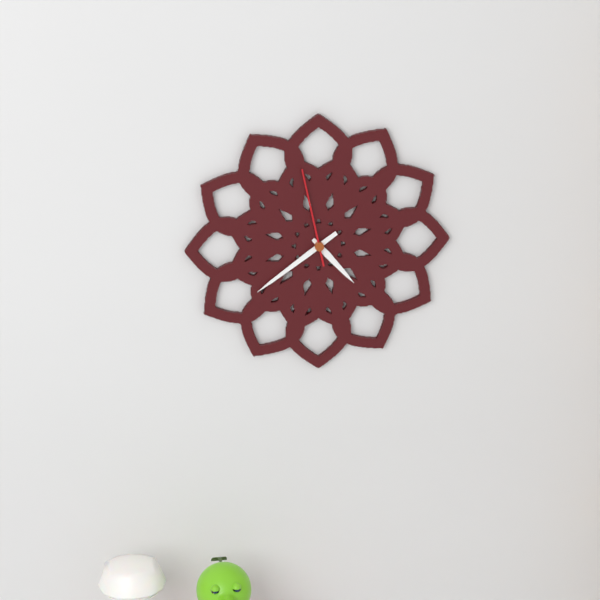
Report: 4 h 39 min 58 s
